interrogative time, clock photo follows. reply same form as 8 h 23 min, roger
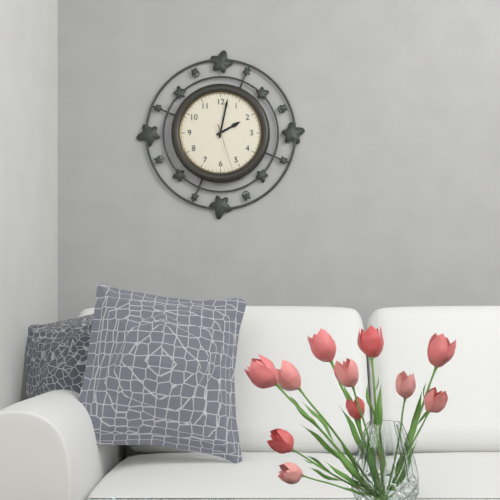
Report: 2 h 02 min
